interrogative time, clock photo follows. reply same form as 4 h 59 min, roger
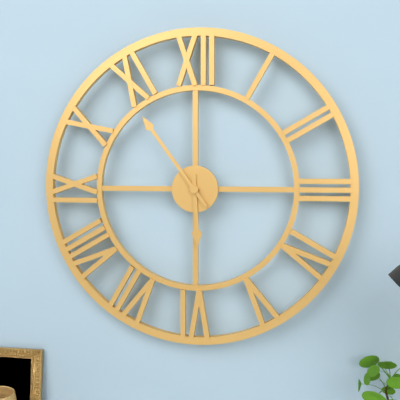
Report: 5 h 54 min
